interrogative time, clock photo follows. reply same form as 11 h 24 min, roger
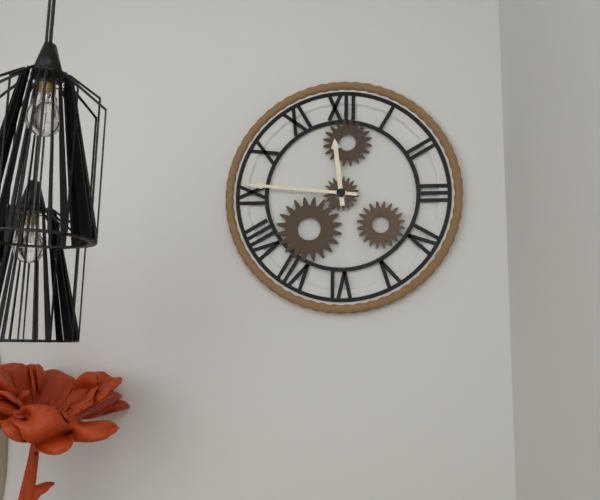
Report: 11 h 46 min
